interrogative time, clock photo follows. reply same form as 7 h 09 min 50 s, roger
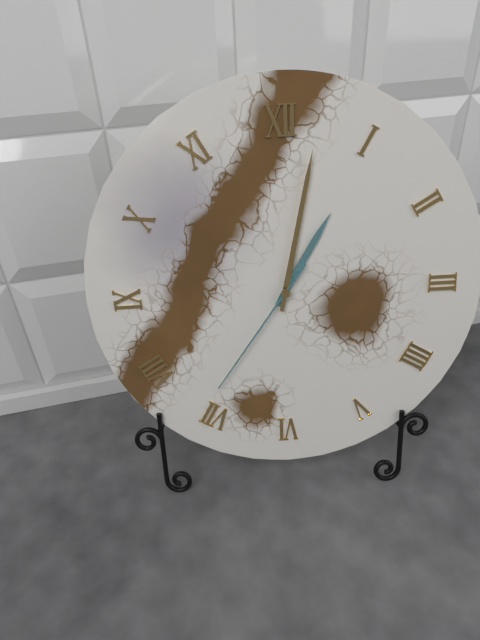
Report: 1 h 02 min 36 s
